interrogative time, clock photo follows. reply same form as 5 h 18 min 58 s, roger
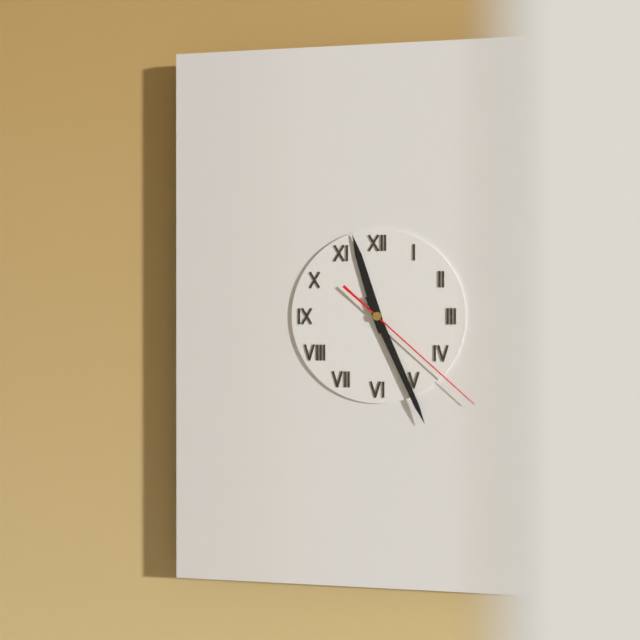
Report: 11 h 26 min 22 s
